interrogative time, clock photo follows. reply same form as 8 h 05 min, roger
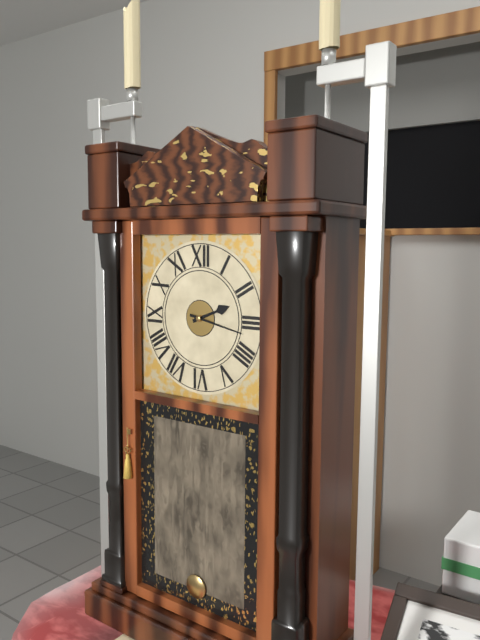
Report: 2 h 17 min
